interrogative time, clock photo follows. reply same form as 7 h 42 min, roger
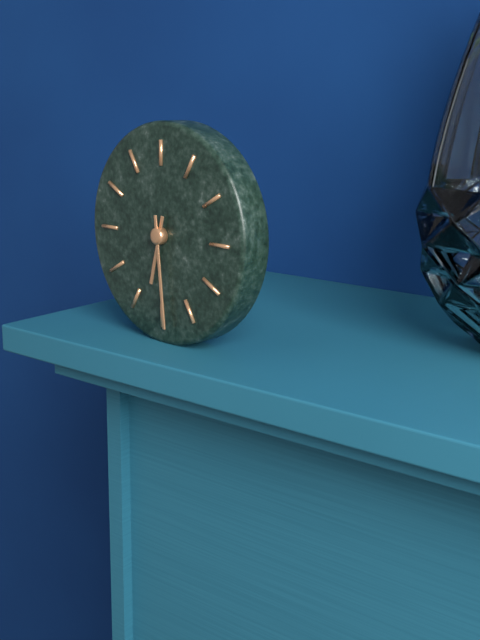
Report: 6 h 29 min
